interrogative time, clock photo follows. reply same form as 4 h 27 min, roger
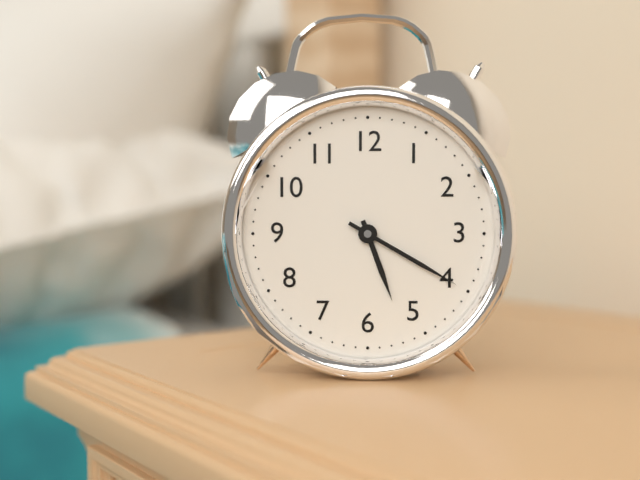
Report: 5 h 20 min
